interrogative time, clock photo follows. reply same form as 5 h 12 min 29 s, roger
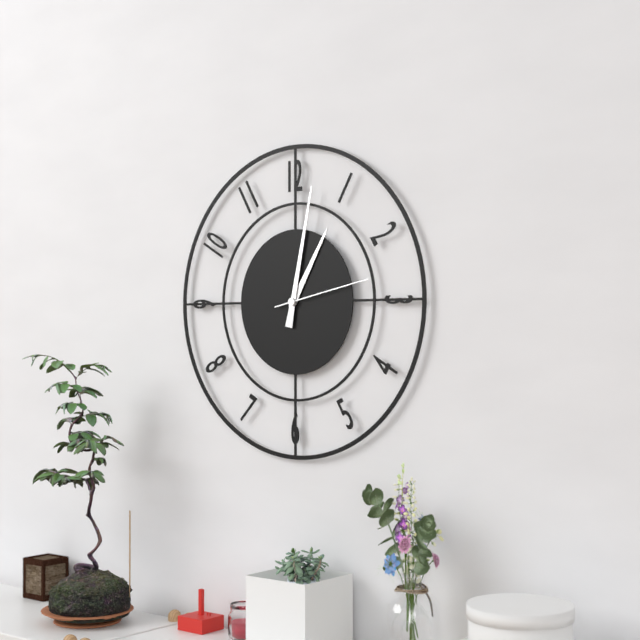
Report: 1 h 02 min 13 s
